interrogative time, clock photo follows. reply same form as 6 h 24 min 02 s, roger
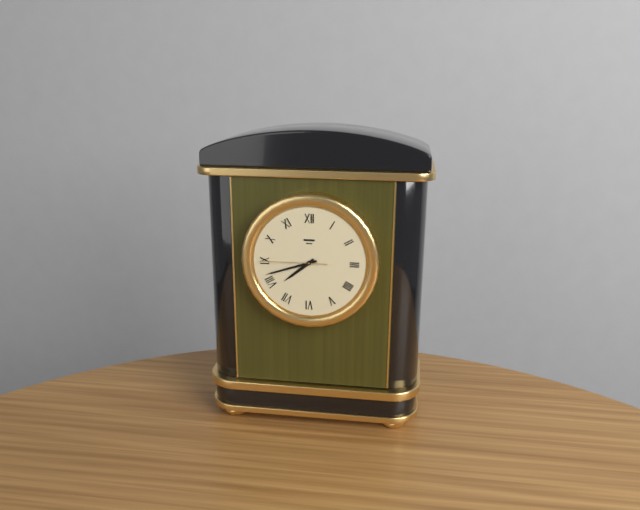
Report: 7 h 42 min 45 s
